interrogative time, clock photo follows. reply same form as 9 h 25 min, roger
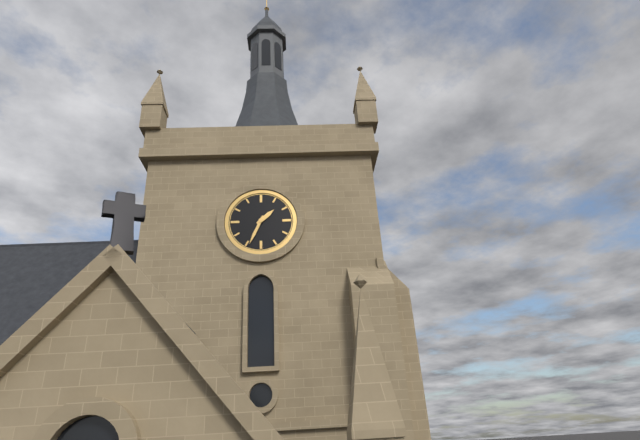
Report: 1 h 34 min
